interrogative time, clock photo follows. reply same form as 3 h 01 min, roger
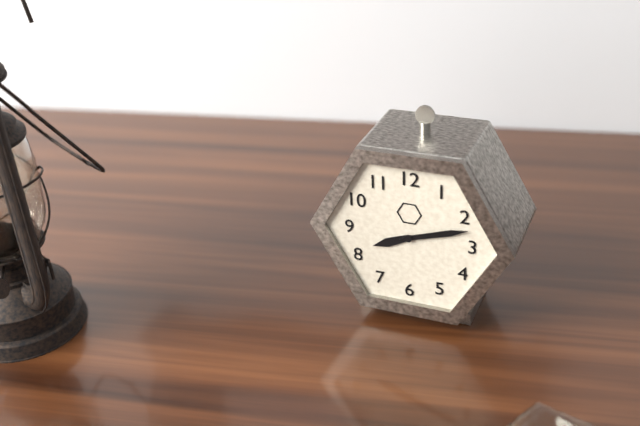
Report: 8 h 12 min
